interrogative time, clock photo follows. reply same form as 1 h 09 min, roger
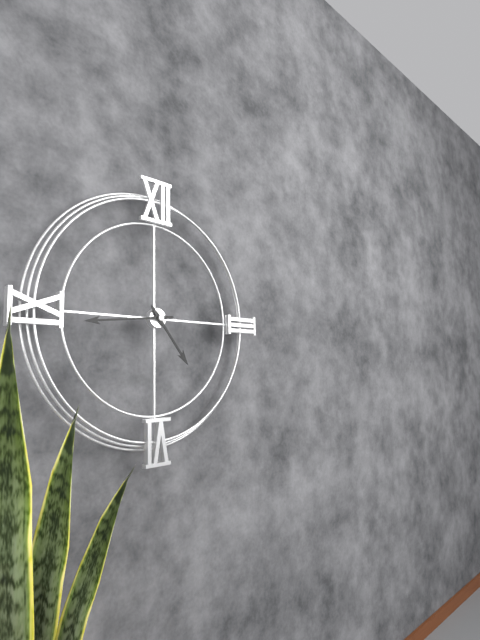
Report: 4 h 44 min
